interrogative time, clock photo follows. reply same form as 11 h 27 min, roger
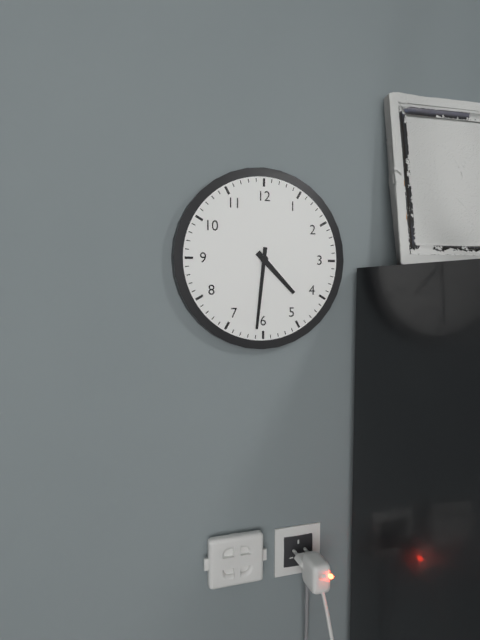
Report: 4 h 31 min
